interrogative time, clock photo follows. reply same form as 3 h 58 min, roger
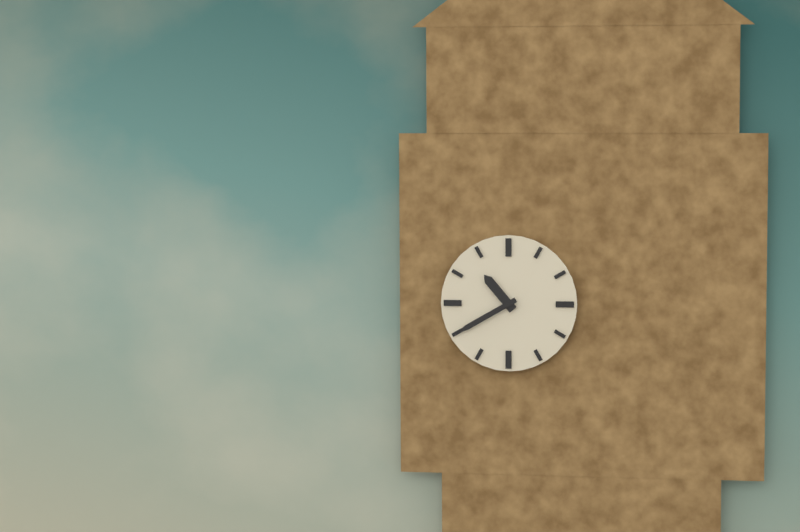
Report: 10 h 40 min
